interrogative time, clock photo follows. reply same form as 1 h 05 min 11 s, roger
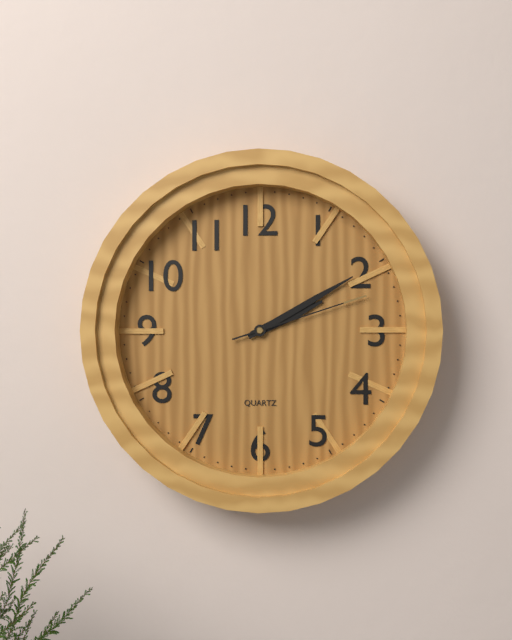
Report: 2 h 10 min 12 s
